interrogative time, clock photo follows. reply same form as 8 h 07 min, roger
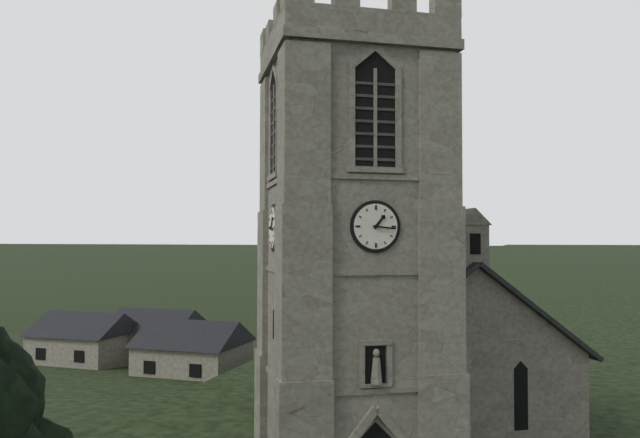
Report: 1 h 16 min
